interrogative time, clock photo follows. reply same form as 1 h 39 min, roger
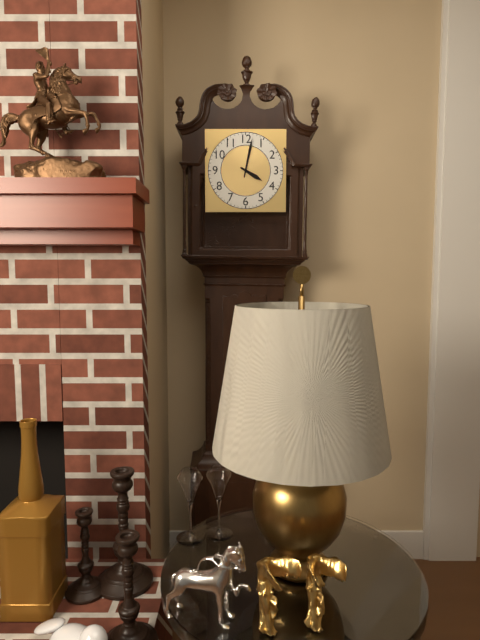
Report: 4 h 02 min
